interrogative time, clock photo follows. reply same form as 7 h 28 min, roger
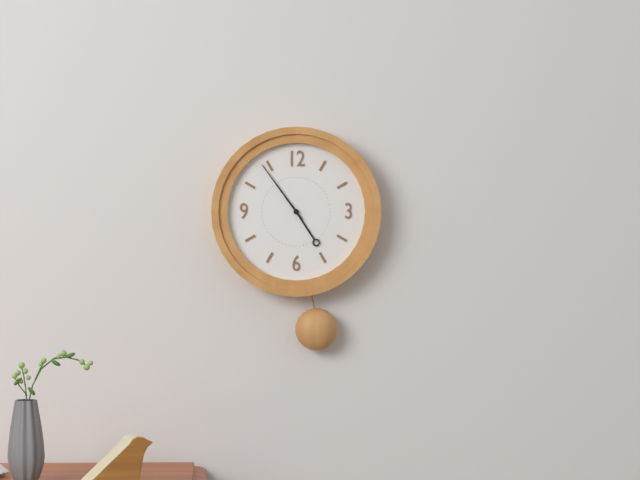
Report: 4 h 54 min
